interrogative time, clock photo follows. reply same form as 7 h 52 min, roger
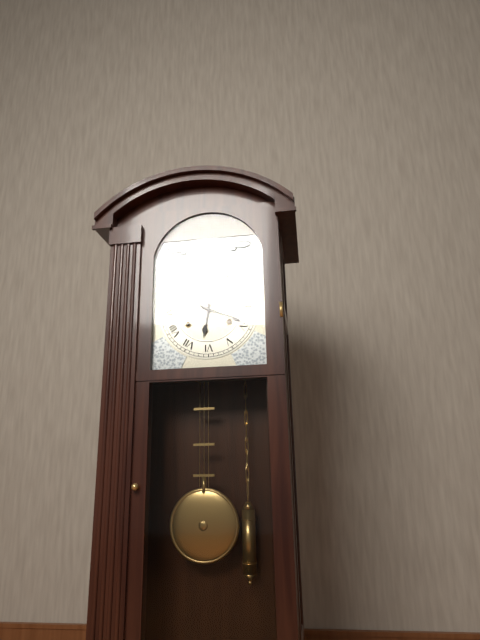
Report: 6 h 19 min
